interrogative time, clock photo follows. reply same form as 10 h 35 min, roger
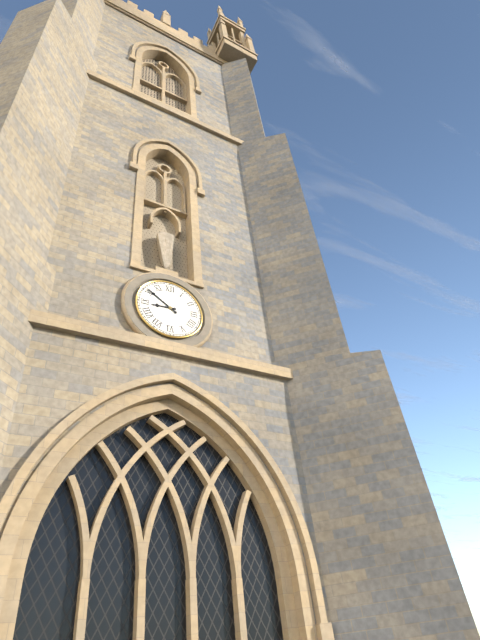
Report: 8 h 51 min
